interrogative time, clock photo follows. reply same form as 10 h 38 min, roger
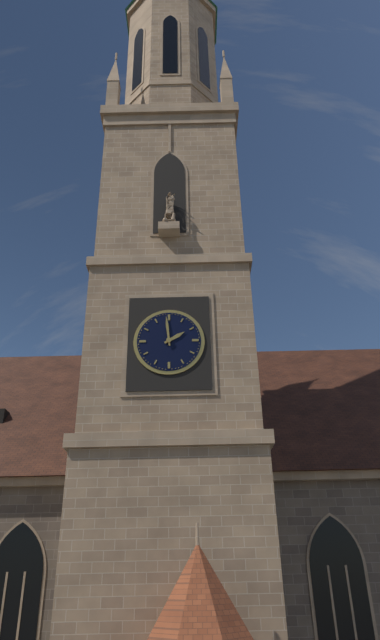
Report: 1 h 59 min
